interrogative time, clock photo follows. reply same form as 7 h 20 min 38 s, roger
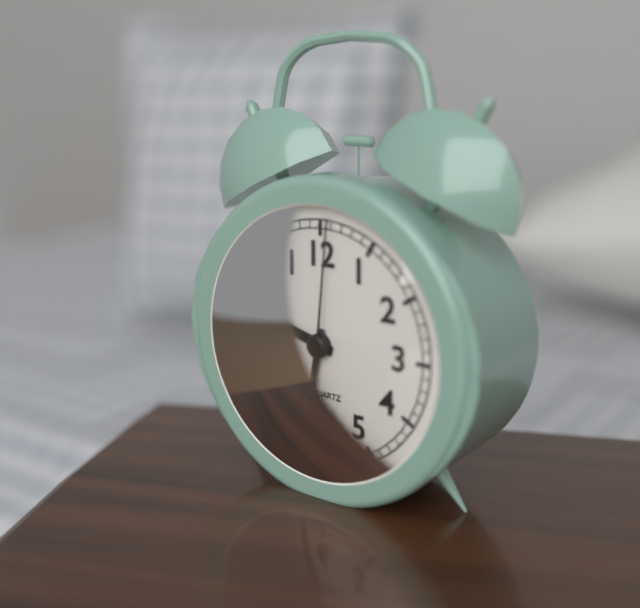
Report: 9 h 32 min 01 s
